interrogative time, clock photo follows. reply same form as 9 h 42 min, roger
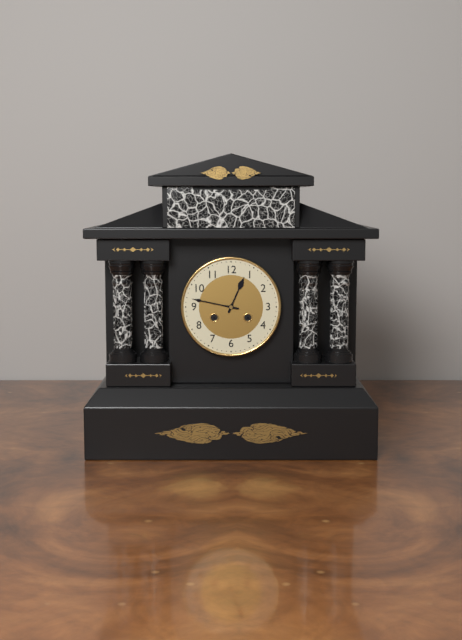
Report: 12 h 47 min
